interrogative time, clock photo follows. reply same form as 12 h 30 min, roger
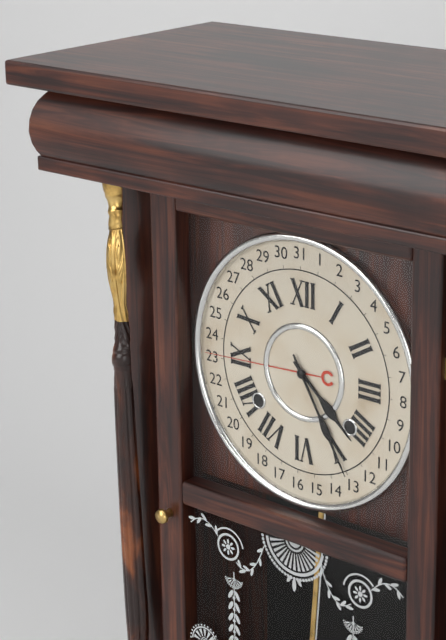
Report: 4 h 25 min
